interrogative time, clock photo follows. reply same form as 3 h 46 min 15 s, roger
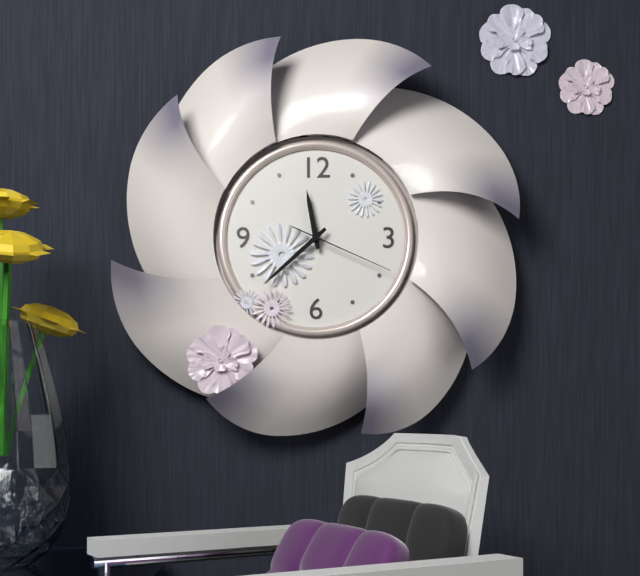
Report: 11 h 38 min 19 s
